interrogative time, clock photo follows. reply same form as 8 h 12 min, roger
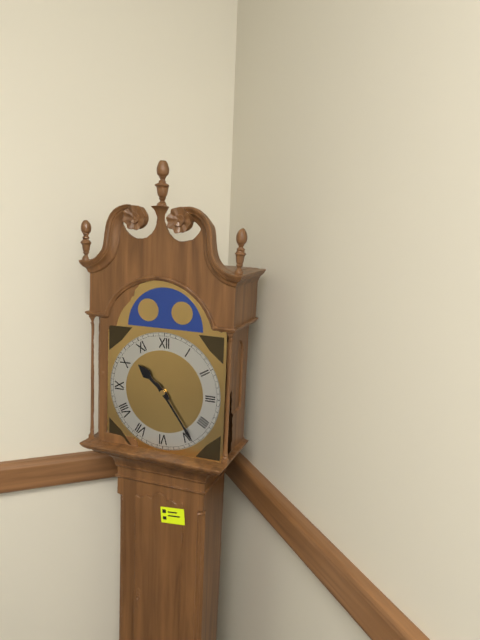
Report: 10 h 24 min
